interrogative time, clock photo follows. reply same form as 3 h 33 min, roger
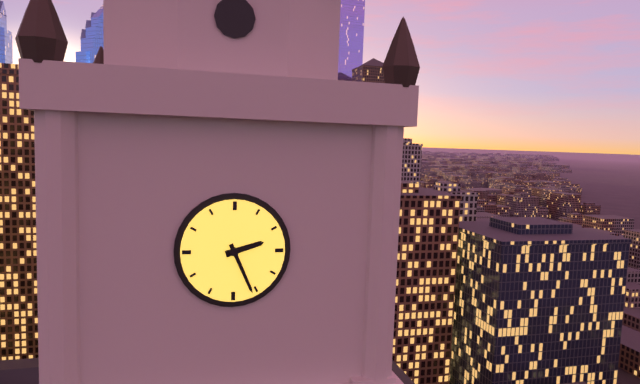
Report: 2 h 26 min
